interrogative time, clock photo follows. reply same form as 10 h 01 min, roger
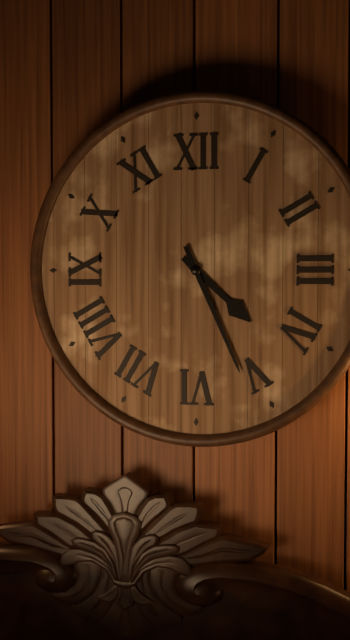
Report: 4 h 26 min
